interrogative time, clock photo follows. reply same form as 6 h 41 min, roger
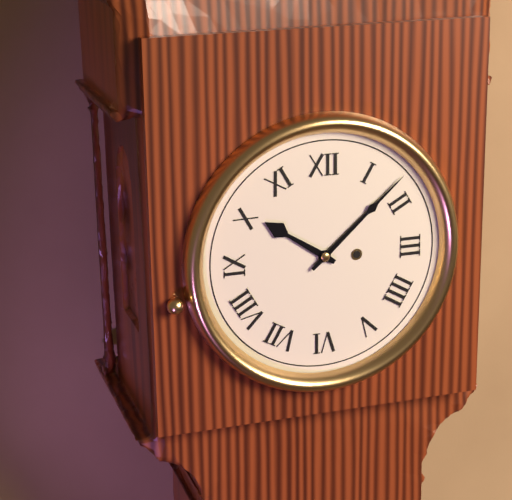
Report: 10 h 08 min
